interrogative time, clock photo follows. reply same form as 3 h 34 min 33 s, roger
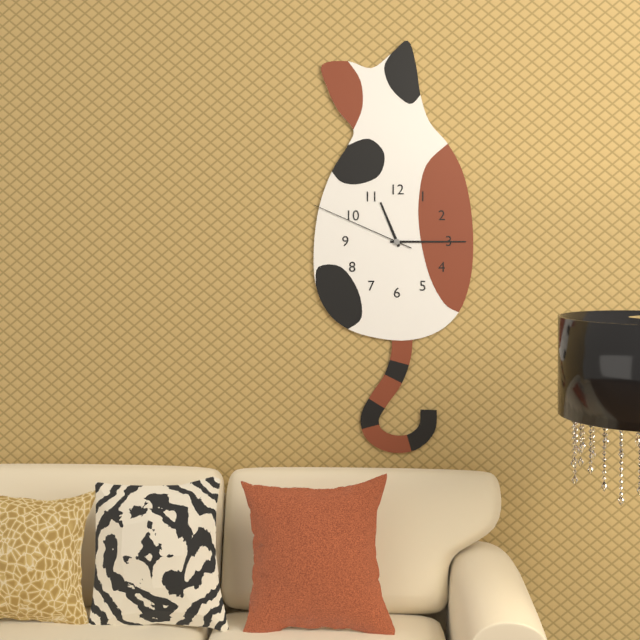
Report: 11 h 15 min 49 s
